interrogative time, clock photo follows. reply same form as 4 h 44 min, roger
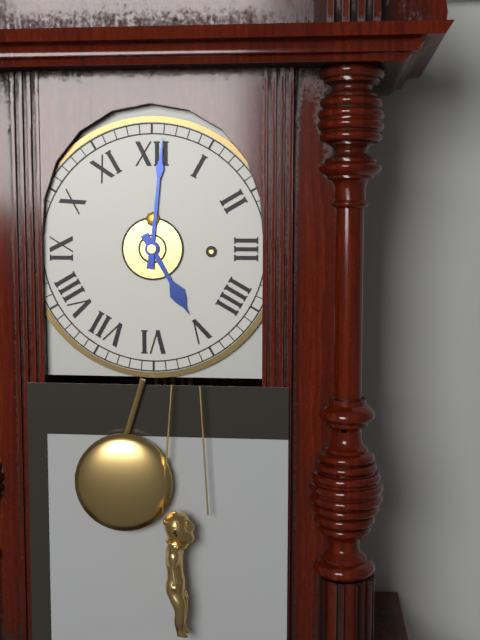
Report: 5 h 01 min
